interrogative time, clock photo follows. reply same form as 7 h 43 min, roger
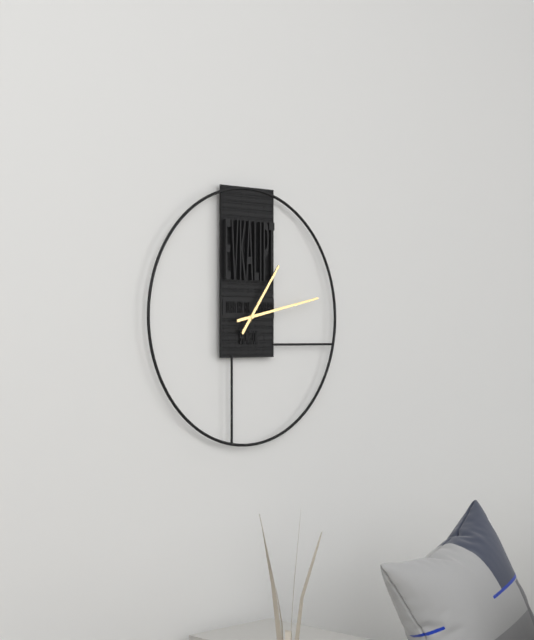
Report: 1 h 13 min
